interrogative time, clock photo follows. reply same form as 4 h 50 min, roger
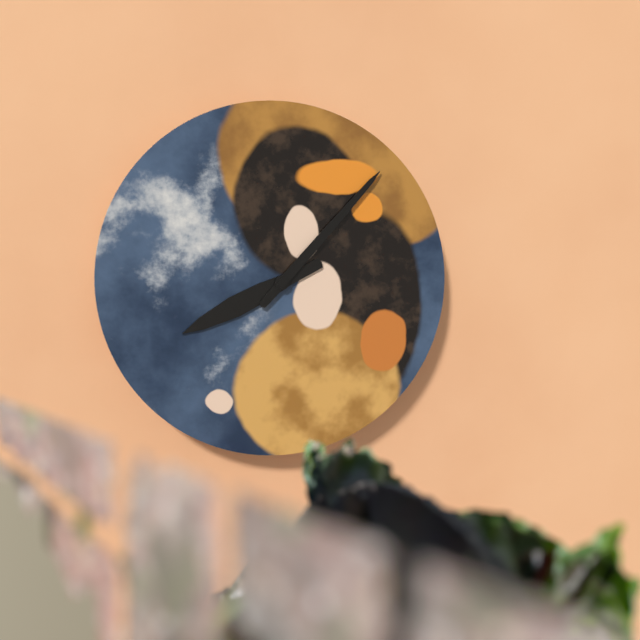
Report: 8 h 07 min
